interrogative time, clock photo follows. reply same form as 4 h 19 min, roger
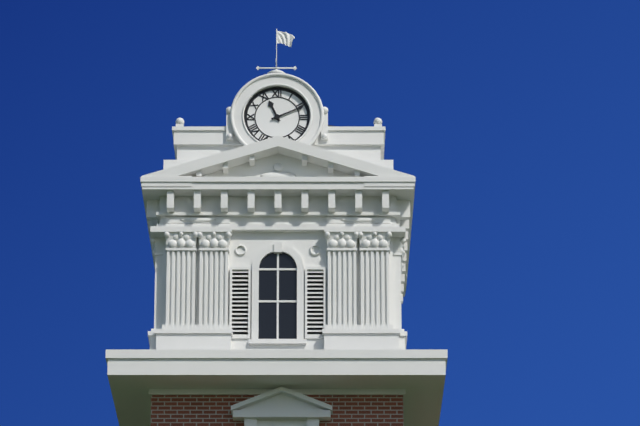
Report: 11 h 11 min
